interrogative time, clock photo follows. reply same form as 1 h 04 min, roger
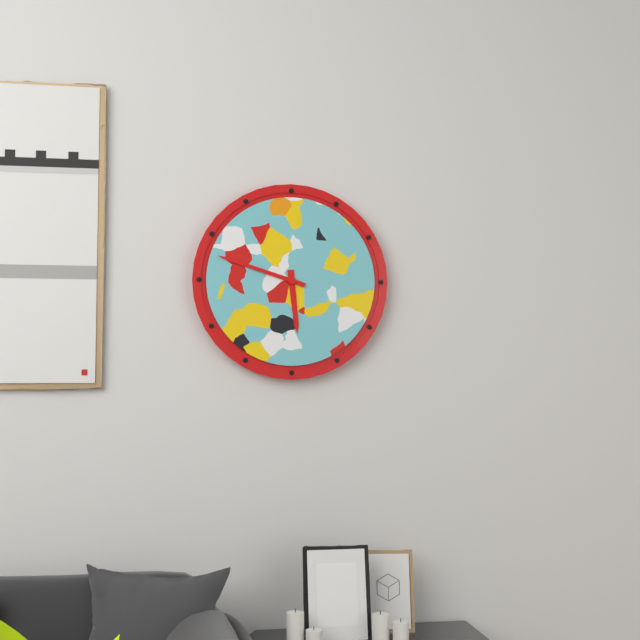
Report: 5 h 48 min
